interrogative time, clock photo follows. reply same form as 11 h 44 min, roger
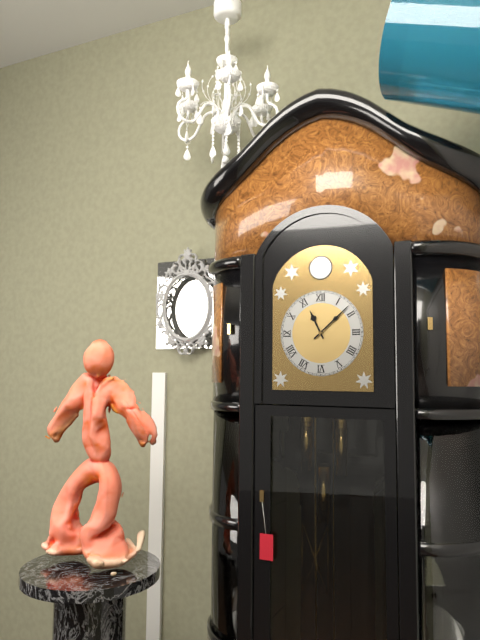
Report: 11 h 08 min
